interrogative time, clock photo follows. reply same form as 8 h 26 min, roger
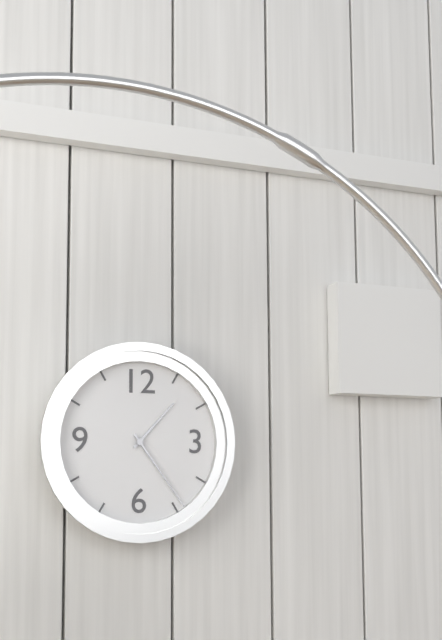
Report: 1 h 24 min
